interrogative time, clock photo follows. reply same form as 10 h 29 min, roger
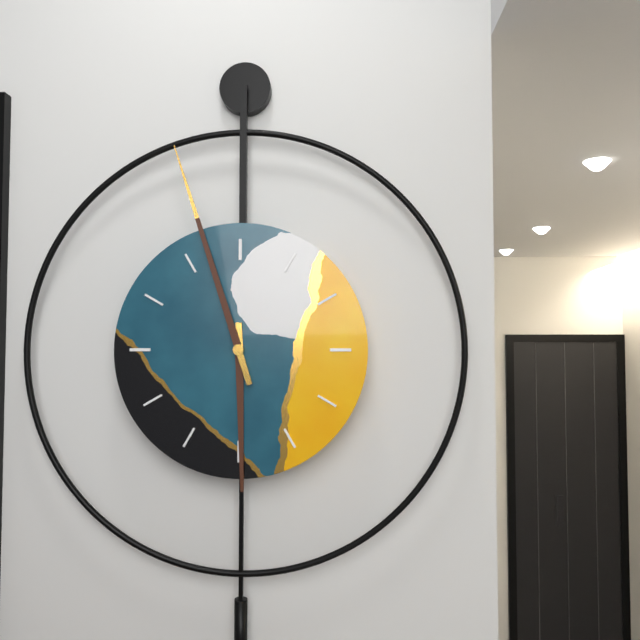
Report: 5 h 57 min
